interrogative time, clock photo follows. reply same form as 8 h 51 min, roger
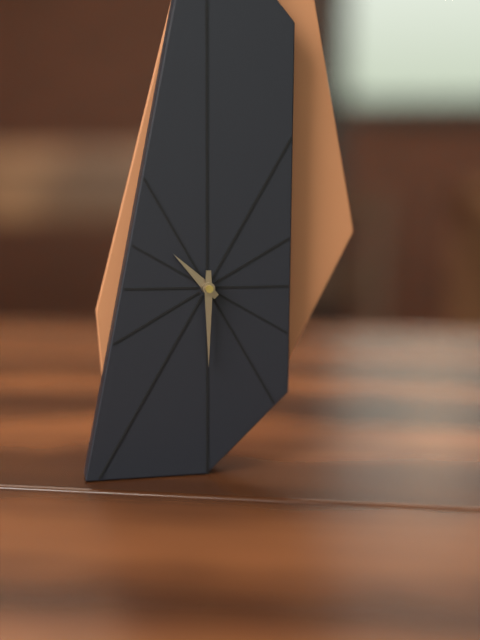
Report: 10 h 30 min
